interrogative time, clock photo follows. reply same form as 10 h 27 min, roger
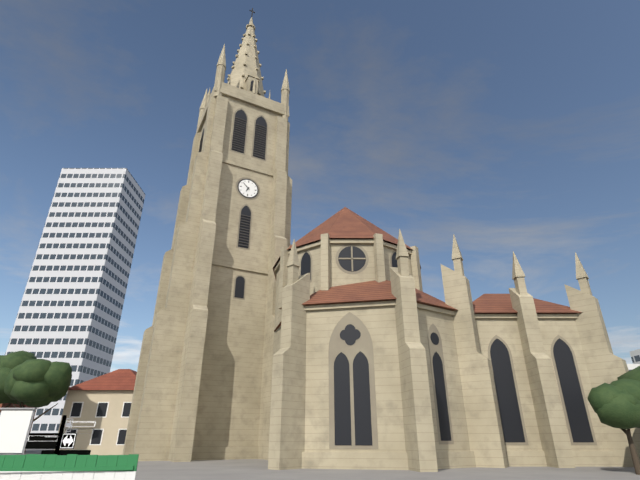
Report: 6 h 52 min
